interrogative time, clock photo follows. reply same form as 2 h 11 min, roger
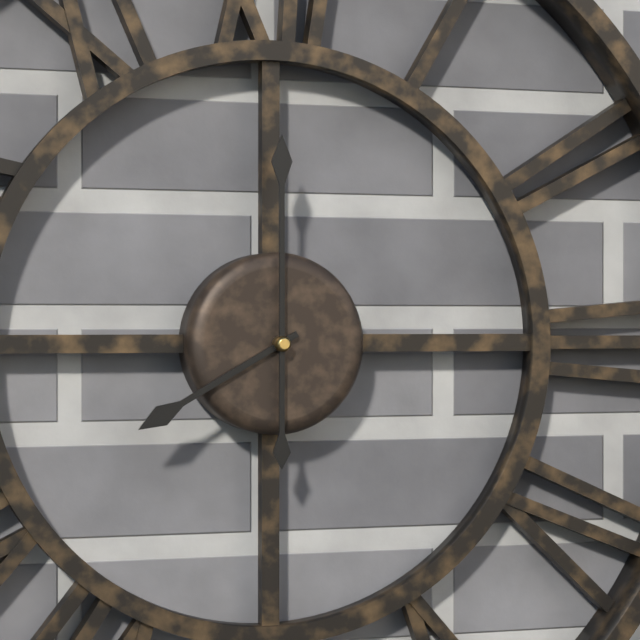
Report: 8 h 00 min
